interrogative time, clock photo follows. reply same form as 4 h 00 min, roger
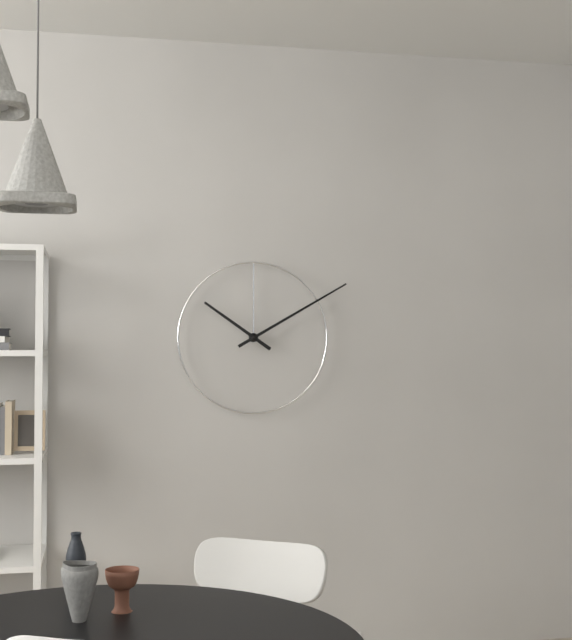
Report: 10 h 10 min
